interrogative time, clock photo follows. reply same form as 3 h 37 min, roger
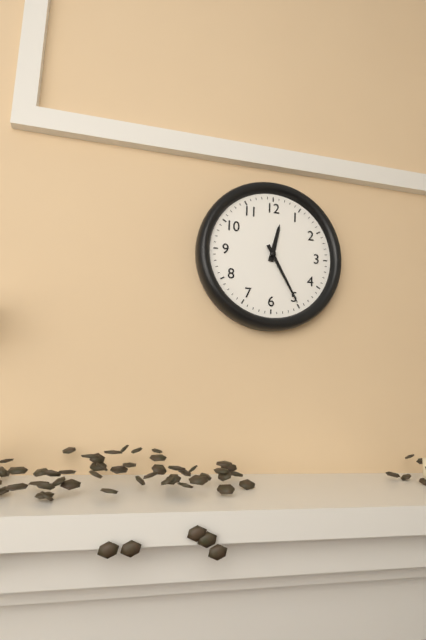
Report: 12 h 25 min
